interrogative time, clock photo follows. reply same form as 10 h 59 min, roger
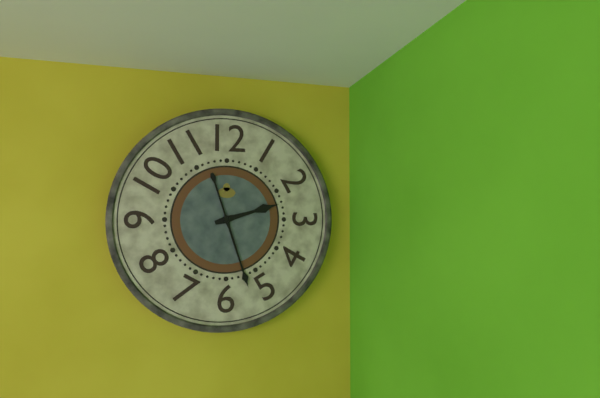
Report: 2 h 27 min
